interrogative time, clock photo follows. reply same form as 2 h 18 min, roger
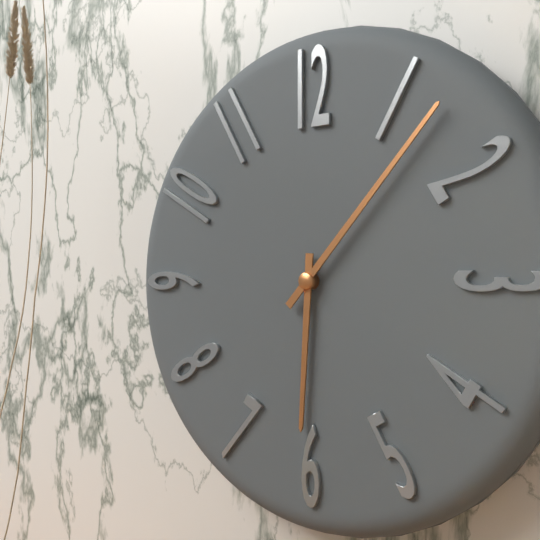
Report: 6 h 07 min
